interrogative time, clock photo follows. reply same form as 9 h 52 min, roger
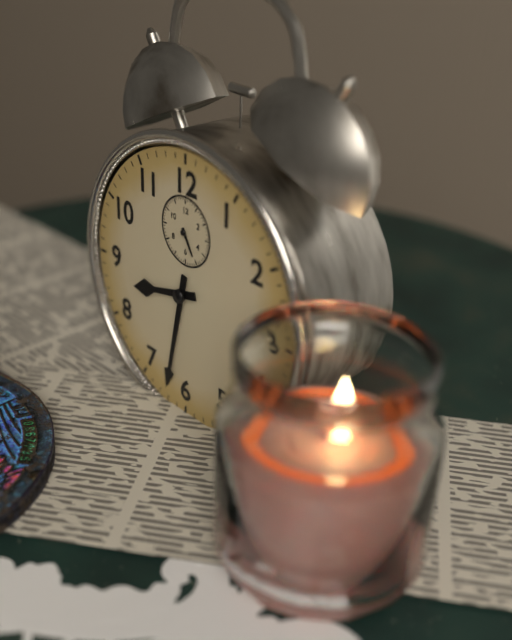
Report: 8 h 32 min
